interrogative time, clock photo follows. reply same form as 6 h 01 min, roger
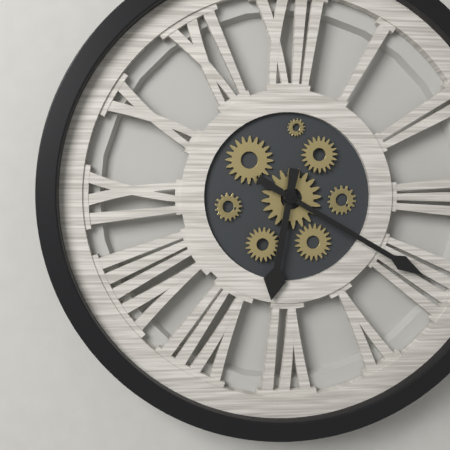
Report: 6 h 20 min
